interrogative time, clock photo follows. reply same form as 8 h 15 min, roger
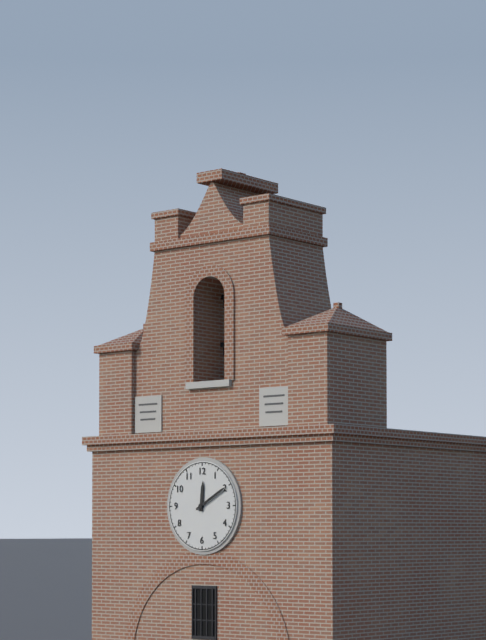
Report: 12 h 10 min
